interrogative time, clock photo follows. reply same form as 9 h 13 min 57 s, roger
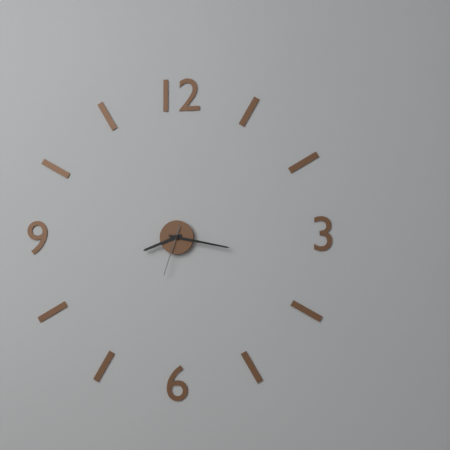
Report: 8 h 17 min 33 s
